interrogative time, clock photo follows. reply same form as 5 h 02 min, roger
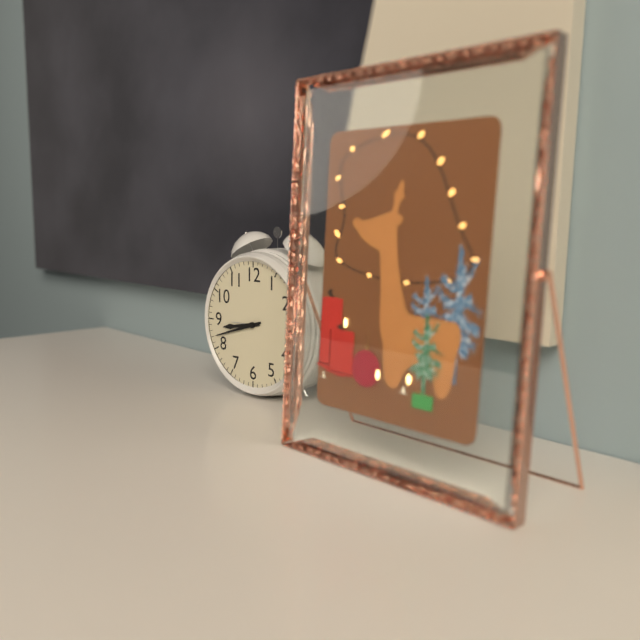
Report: 8 h 42 min
